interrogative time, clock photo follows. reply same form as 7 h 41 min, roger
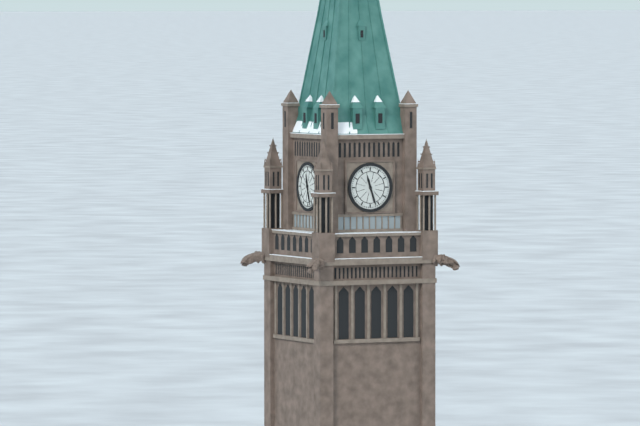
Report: 11 h 27 min
